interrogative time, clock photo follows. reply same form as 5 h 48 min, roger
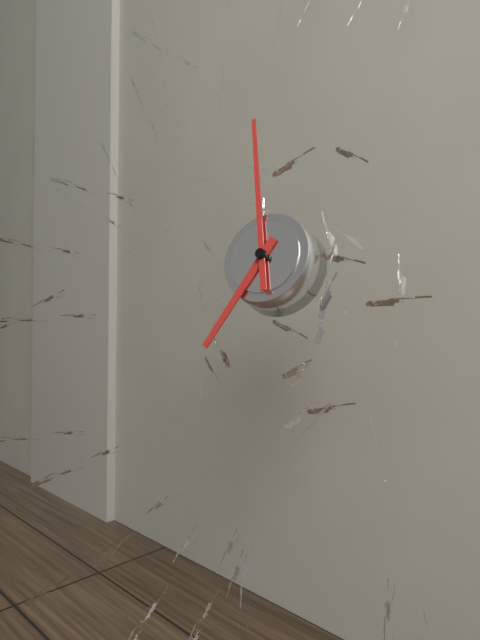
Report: 6 h 58 min
